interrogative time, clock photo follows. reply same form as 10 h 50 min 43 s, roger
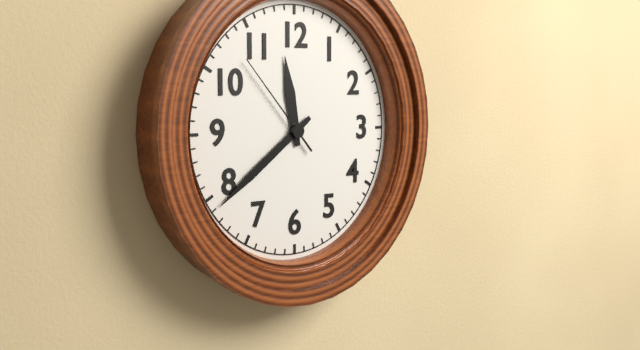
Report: 11 h 39 min 53 s
